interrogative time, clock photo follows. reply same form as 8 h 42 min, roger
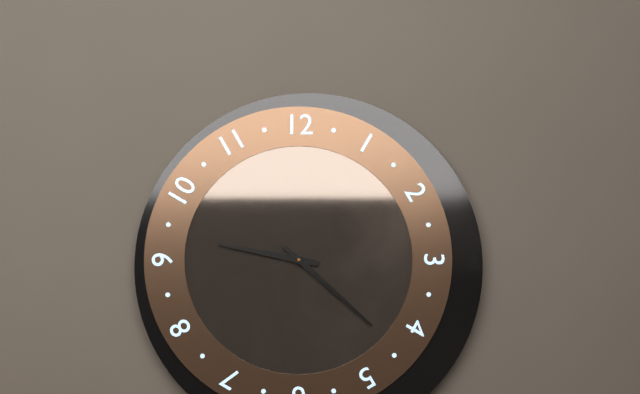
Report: 9 h 22 min
